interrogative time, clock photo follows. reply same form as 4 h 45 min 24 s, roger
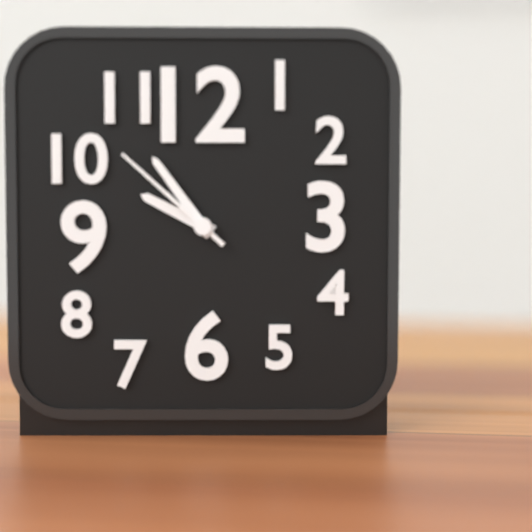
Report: 9 h 54 min 52 s
